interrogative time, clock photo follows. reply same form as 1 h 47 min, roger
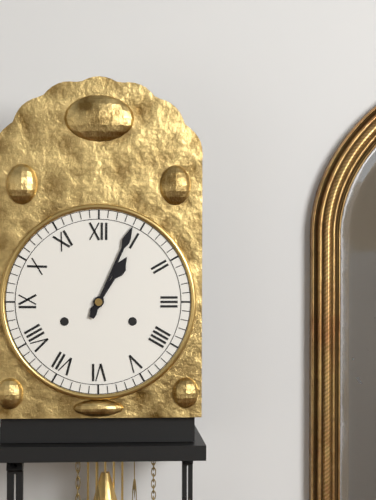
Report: 1 h 04 min
